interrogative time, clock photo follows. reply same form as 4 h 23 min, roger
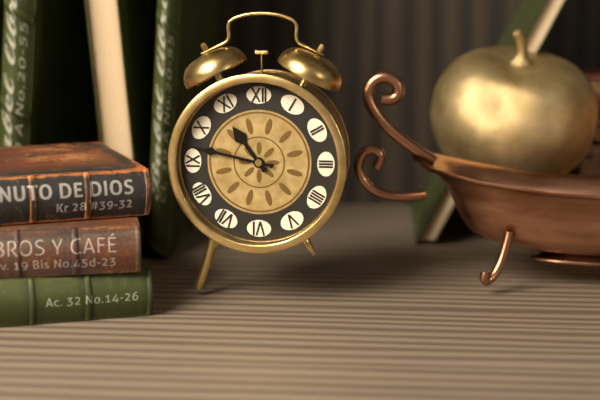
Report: 10 h 47 min
